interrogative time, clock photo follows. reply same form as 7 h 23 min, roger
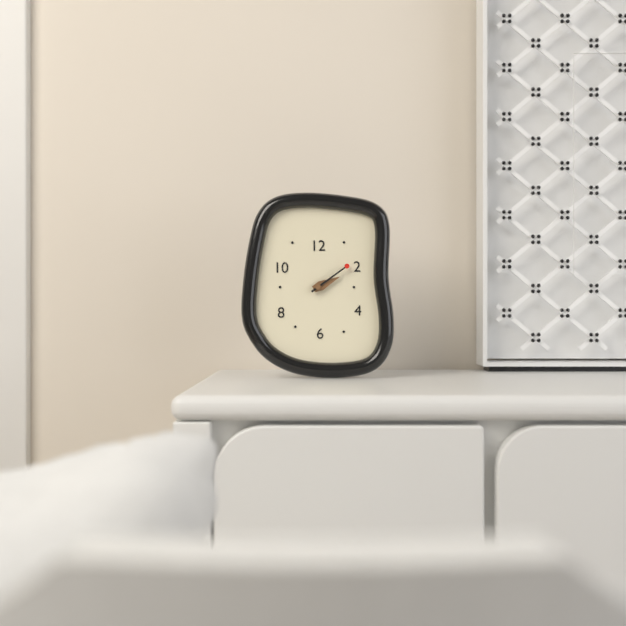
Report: 2 h 09 min
